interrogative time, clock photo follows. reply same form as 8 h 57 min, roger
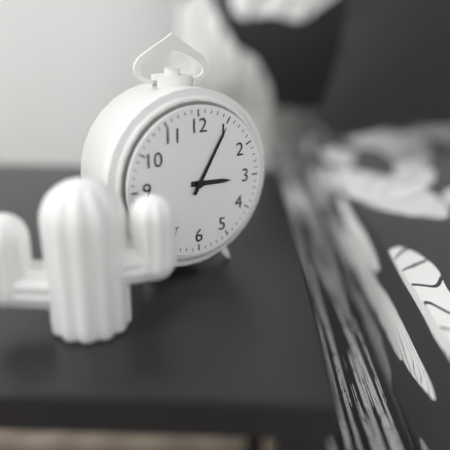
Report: 3 h 05 min
